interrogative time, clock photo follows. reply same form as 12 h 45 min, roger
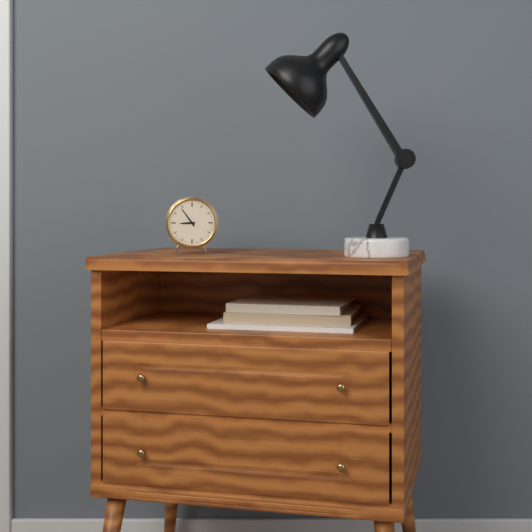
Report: 8 h 54 min
